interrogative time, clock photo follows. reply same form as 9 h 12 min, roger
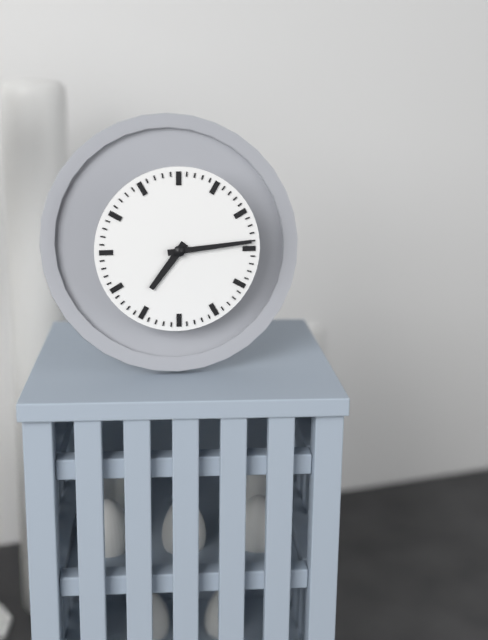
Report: 7 h 14 min
